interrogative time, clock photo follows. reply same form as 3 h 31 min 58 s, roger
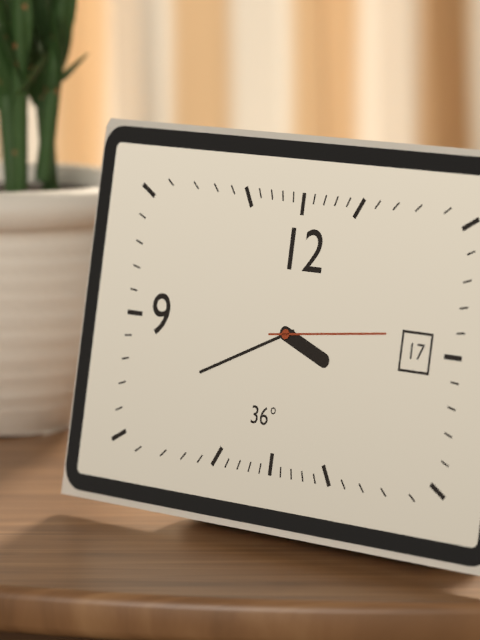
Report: 3 h 41 min 14 s
